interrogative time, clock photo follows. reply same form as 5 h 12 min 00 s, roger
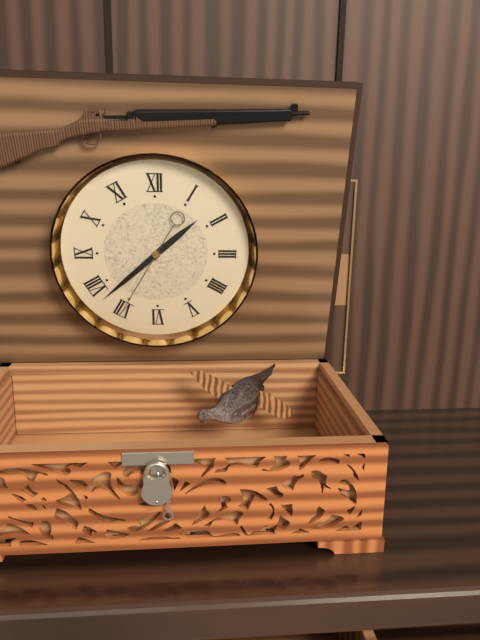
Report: 1 h 38 min 35 s
